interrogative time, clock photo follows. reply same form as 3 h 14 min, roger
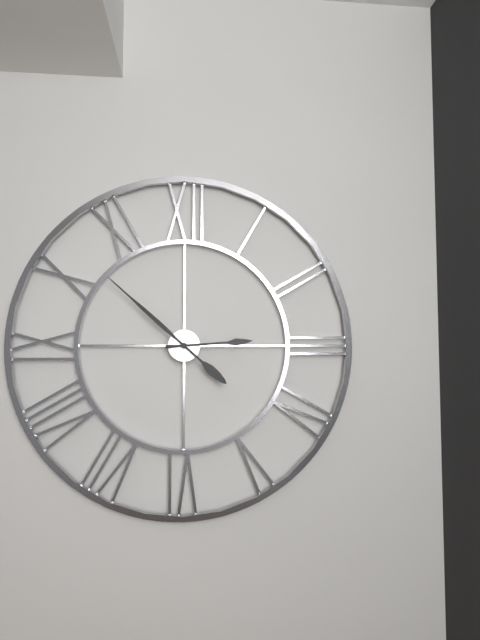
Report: 2 h 52 min
